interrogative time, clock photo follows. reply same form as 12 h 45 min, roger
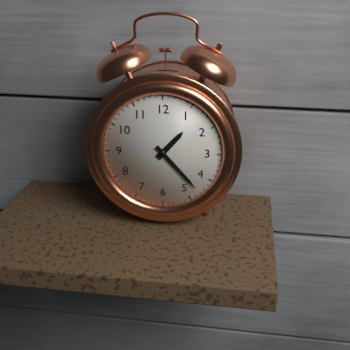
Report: 1 h 23 min
